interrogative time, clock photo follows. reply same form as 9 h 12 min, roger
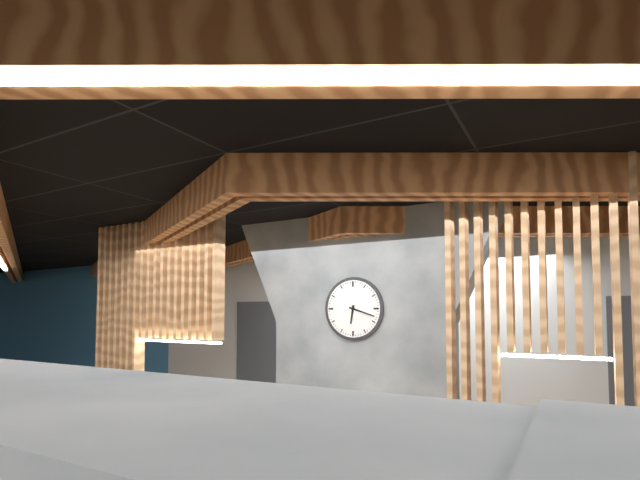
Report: 6 h 18 min
